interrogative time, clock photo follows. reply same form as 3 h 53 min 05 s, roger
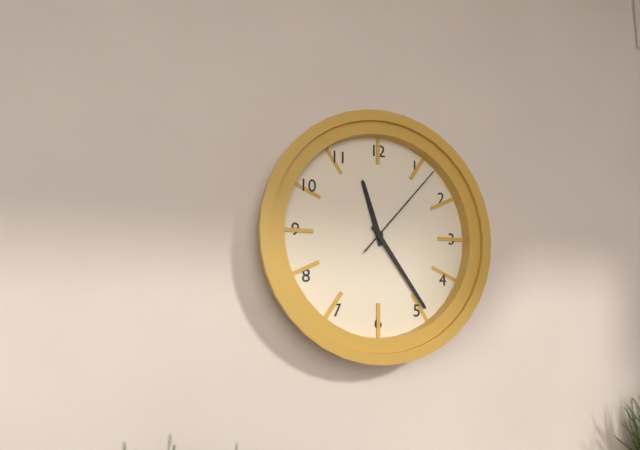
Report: 11 h 24 min 07 s
